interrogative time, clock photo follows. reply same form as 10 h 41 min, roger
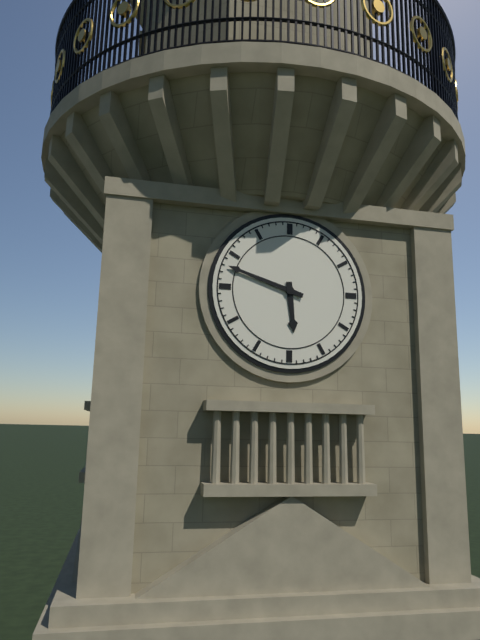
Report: 5 h 48 min
